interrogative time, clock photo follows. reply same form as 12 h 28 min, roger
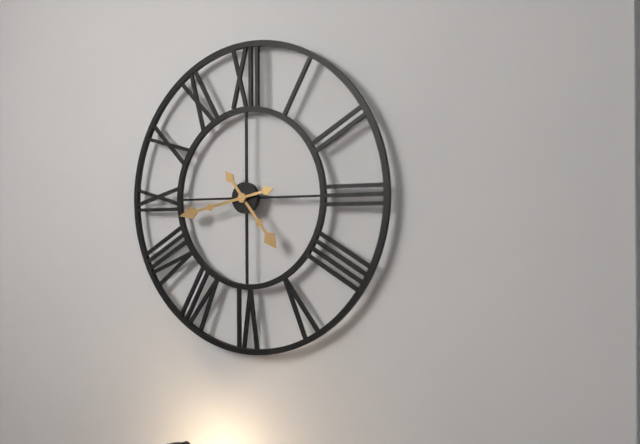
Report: 4 h 43 min
